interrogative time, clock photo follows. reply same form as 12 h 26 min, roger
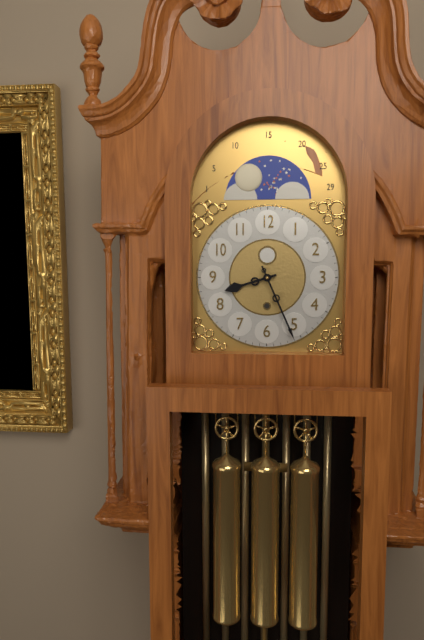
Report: 8 h 26 min
